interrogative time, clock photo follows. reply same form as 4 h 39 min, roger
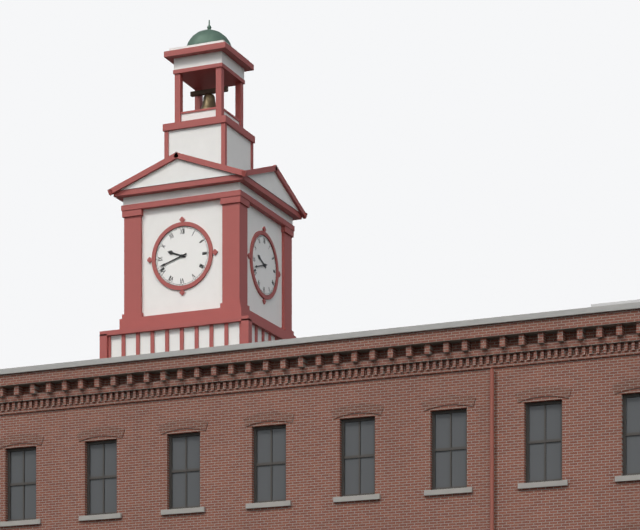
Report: 9 h 42 min
